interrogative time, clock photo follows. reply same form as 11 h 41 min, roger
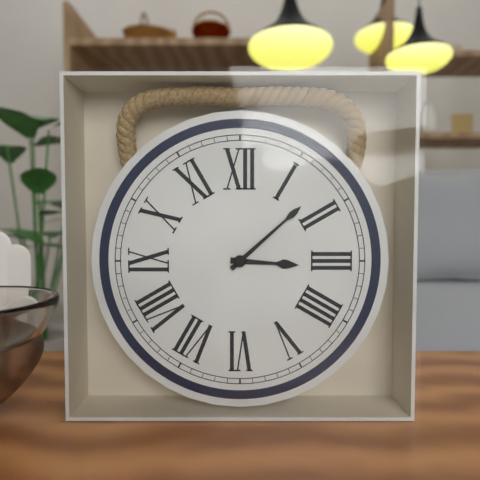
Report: 3 h 08 min
